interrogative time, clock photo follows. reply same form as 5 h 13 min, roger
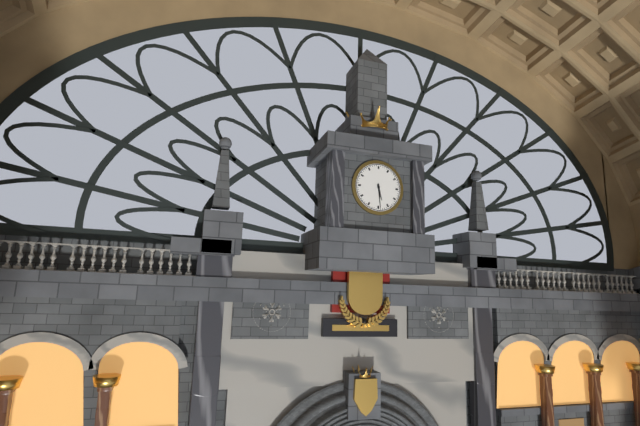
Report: 5 h 29 min
